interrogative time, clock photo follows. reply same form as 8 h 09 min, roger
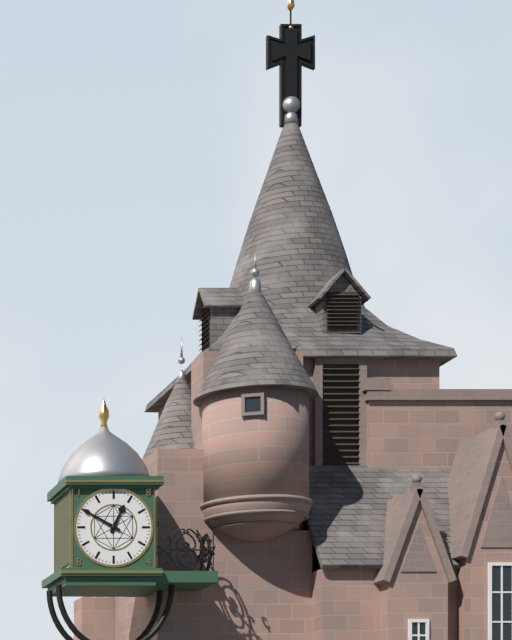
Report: 12 h 50 min
